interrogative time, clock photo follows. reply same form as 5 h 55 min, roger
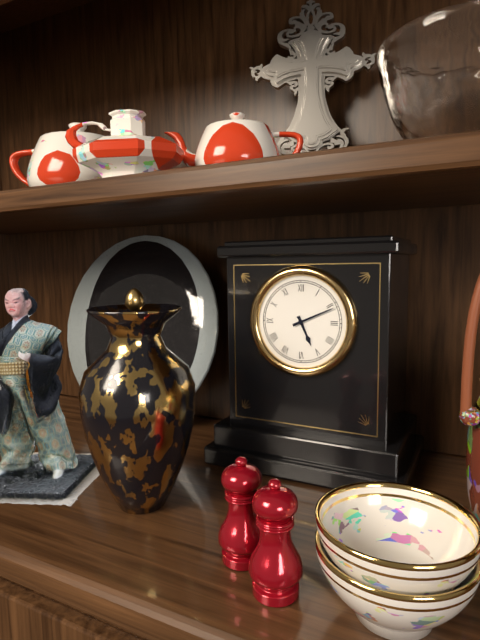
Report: 5 h 11 min
